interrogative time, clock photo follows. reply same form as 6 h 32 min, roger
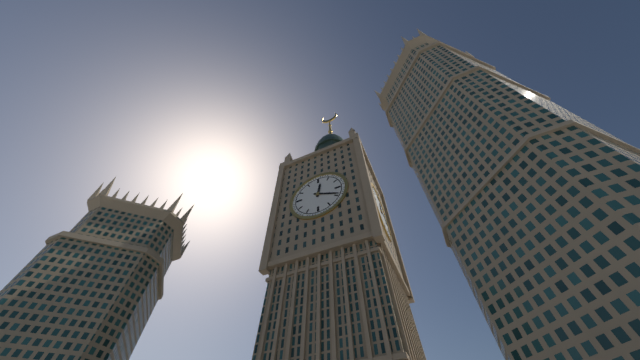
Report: 12 h 19 min
